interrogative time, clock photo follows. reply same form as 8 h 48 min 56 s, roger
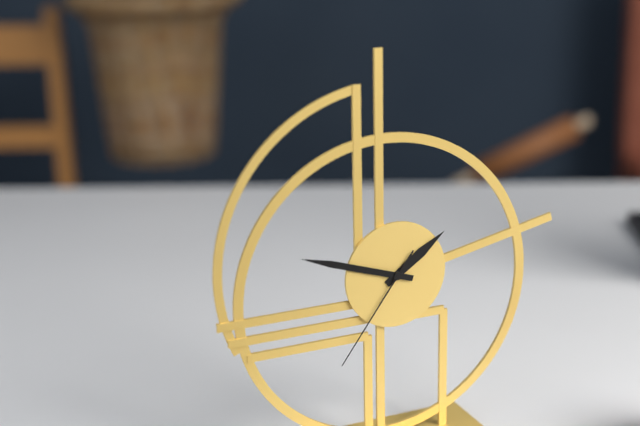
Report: 1 h 48 min 36 s
